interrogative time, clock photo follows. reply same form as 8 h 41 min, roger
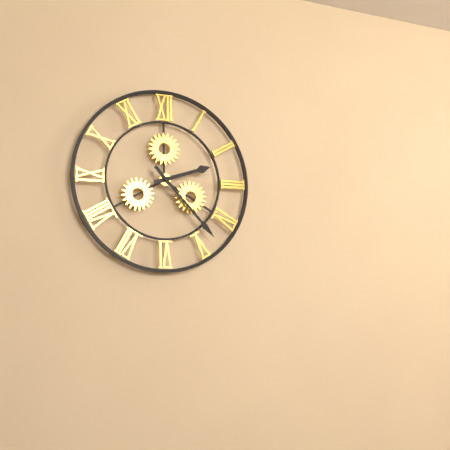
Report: 2 h 23 min
